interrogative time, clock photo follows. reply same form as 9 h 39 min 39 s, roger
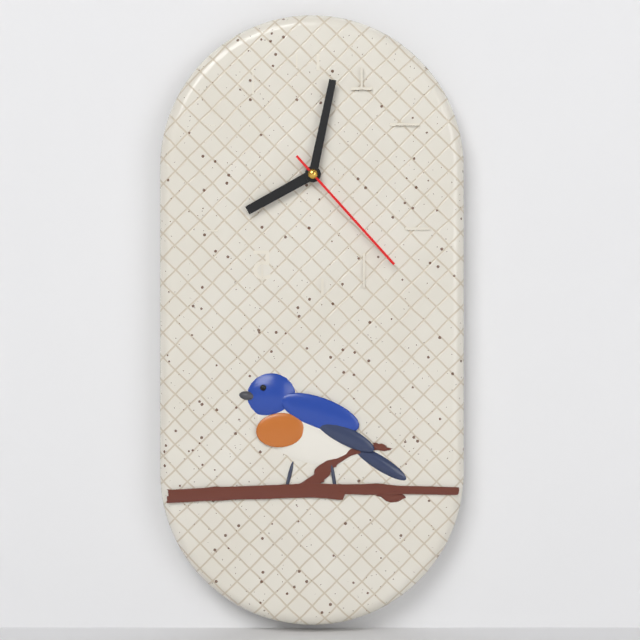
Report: 8 h 02 min 23 s
